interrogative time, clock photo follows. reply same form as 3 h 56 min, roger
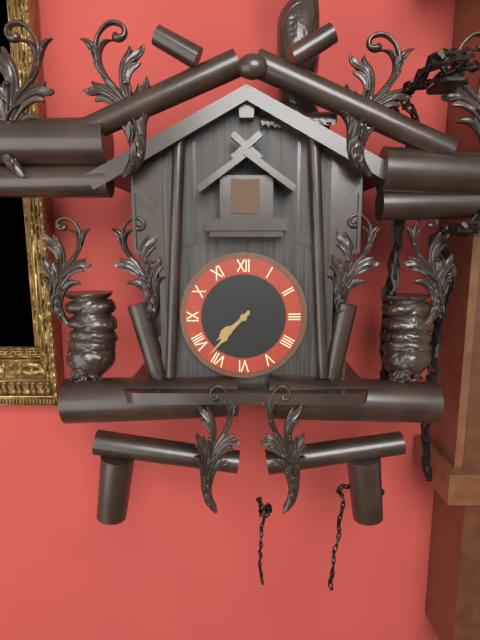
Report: 7 h 37 min
